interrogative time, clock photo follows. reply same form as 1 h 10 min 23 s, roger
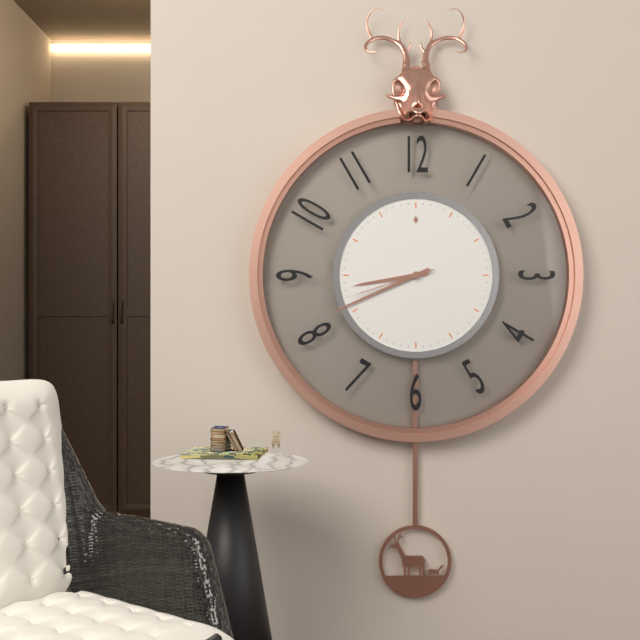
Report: 8 h 41 min 42 s
